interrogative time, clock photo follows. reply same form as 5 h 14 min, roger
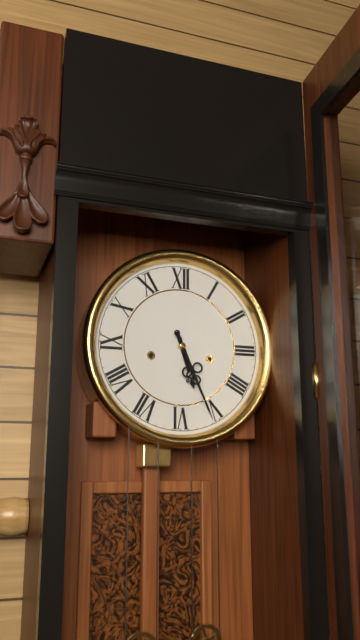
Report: 5 h 26 min
